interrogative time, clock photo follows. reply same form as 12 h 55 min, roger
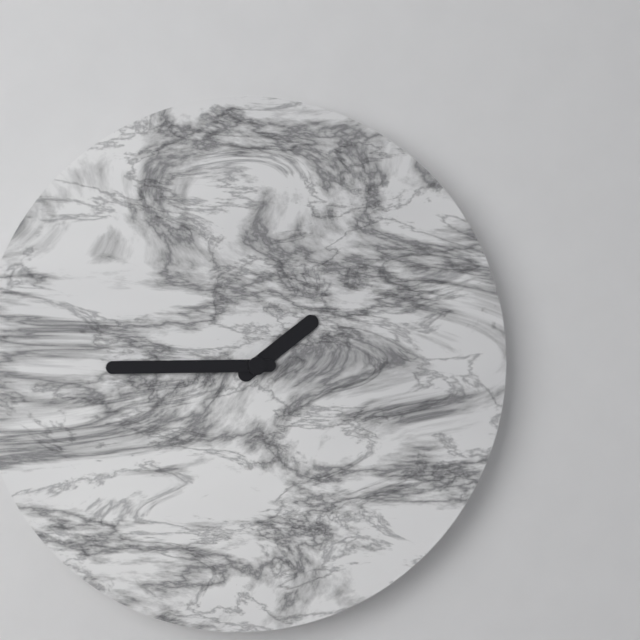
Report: 1 h 45 min
